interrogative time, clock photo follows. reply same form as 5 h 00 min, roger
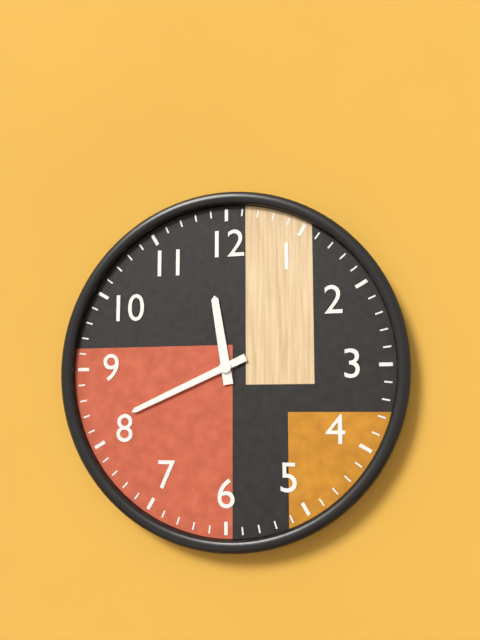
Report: 11 h 41 min
